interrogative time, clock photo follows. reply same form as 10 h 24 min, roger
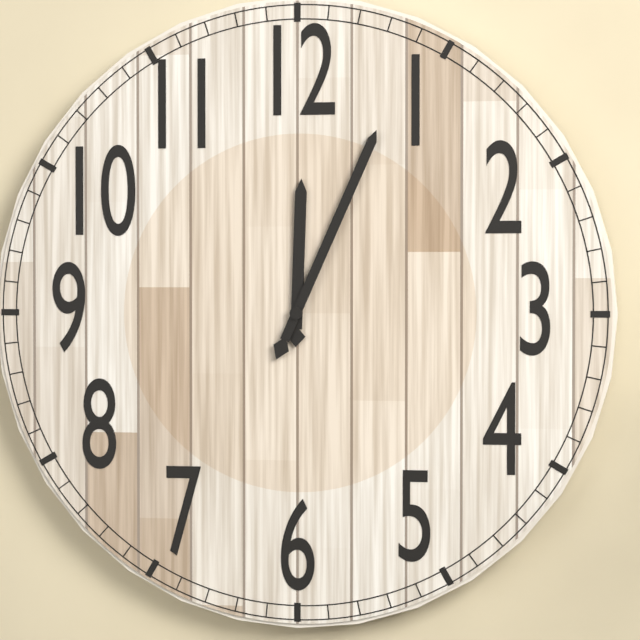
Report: 12 h 04 min
